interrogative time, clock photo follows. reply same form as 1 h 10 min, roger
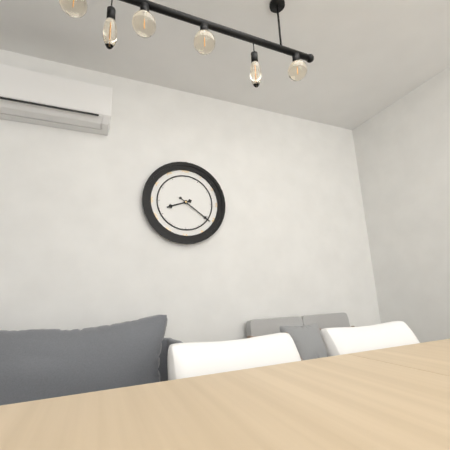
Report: 8 h 21 min
